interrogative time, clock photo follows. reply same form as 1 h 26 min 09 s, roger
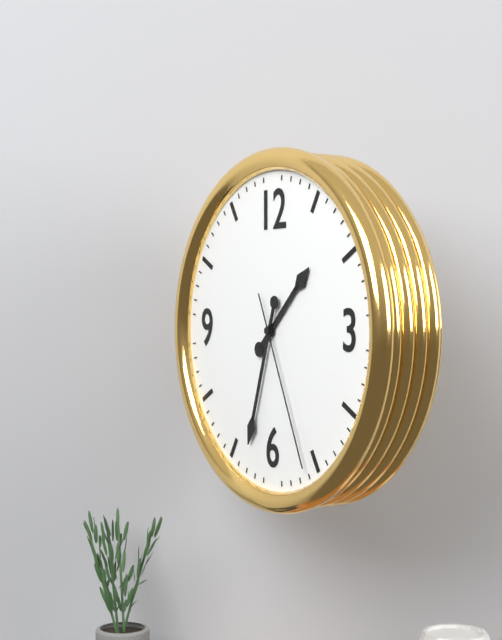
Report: 1 h 33 min 26 s
